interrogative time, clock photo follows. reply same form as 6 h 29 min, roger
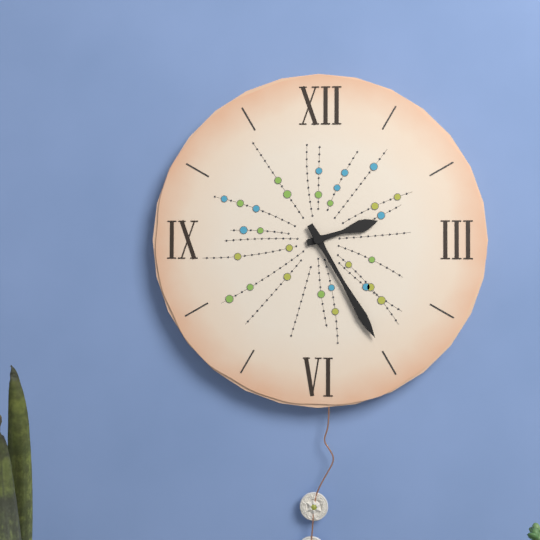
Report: 2 h 25 min
